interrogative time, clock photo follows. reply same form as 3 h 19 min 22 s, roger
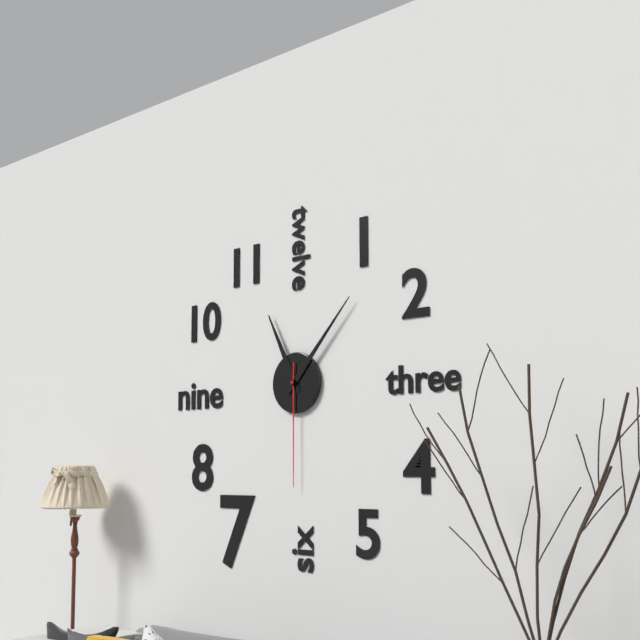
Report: 11 h 07 min 30 s
